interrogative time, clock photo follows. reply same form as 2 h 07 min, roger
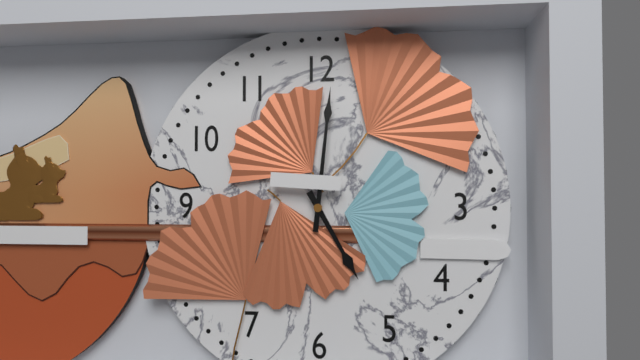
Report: 5 h 01 min
